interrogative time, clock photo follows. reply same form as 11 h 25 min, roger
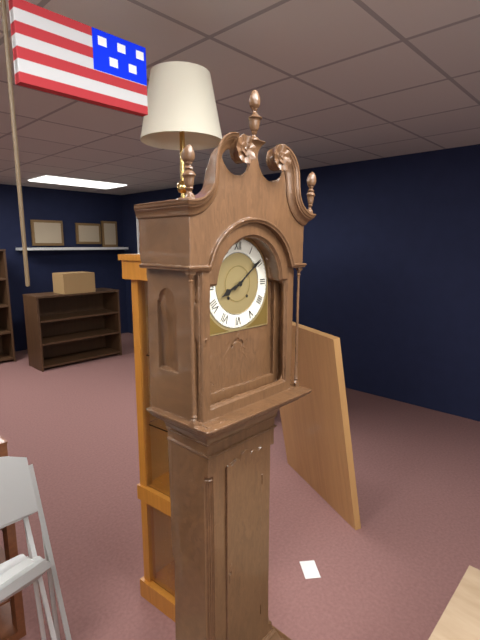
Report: 8 h 09 min
